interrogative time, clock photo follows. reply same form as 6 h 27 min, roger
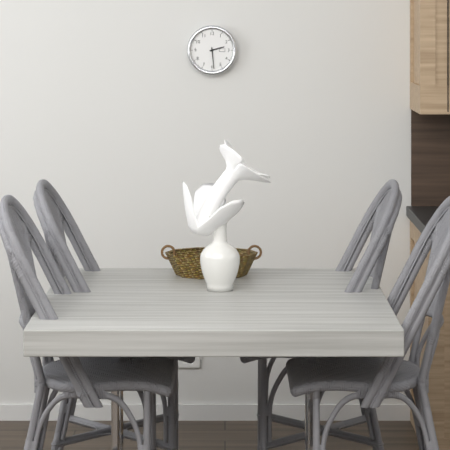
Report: 2 h 29 min
